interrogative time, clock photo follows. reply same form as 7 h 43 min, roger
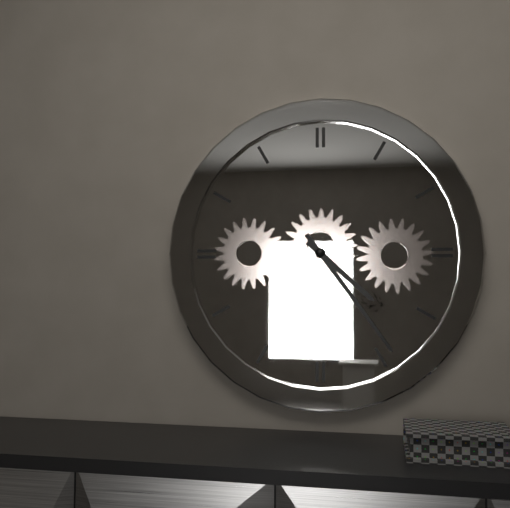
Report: 4 h 24 min
